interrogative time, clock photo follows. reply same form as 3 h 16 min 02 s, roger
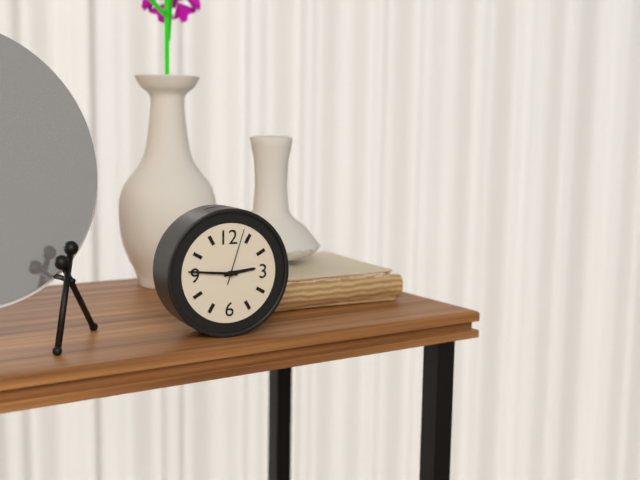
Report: 2 h 46 min 03 s
